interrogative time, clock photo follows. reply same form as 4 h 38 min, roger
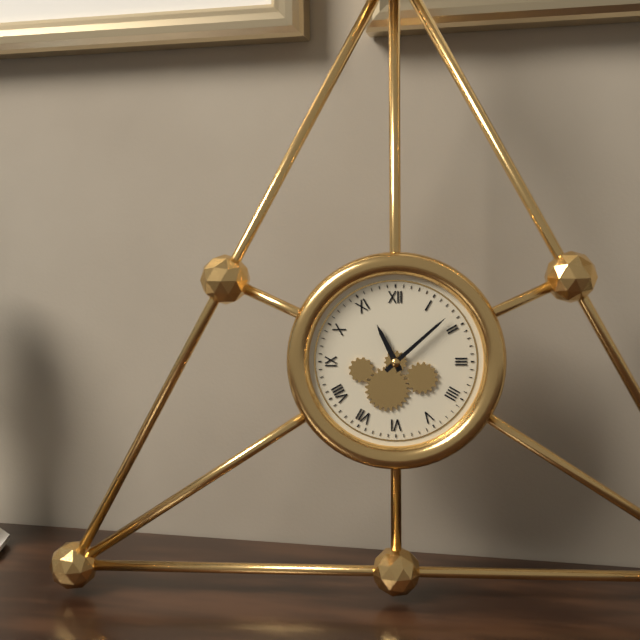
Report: 11 h 08 min
